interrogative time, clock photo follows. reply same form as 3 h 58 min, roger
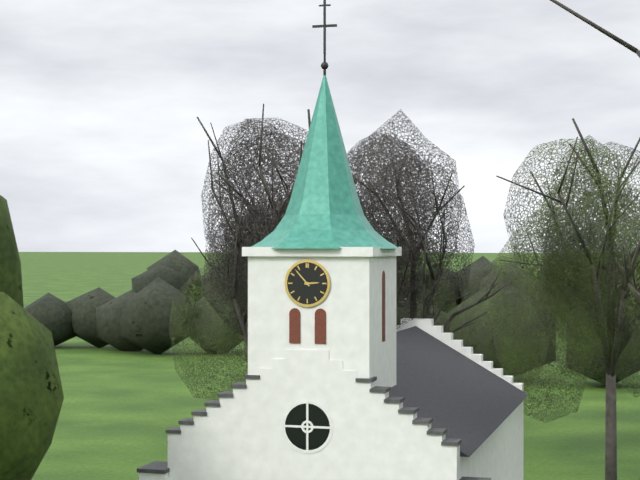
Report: 2 h 53 min
